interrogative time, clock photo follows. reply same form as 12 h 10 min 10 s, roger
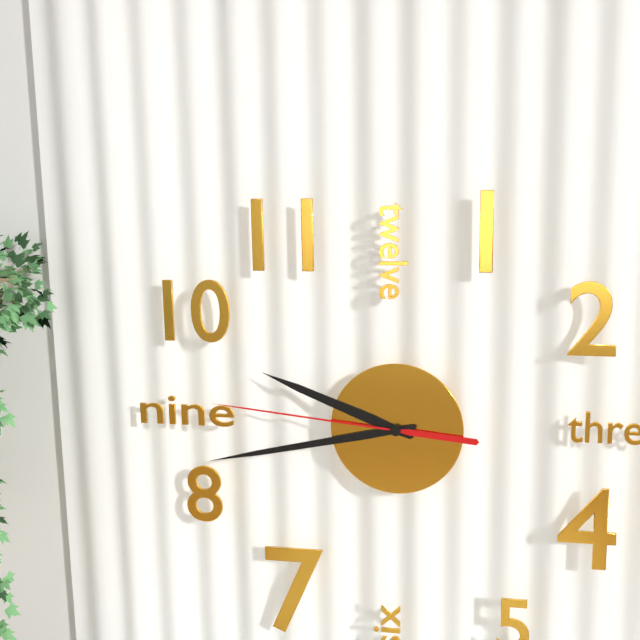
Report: 9 h 43 min 46 s
